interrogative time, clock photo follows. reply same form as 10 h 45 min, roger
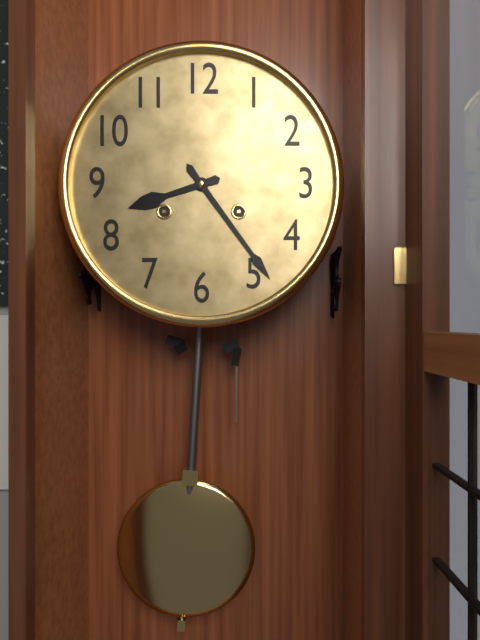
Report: 8 h 24 min
